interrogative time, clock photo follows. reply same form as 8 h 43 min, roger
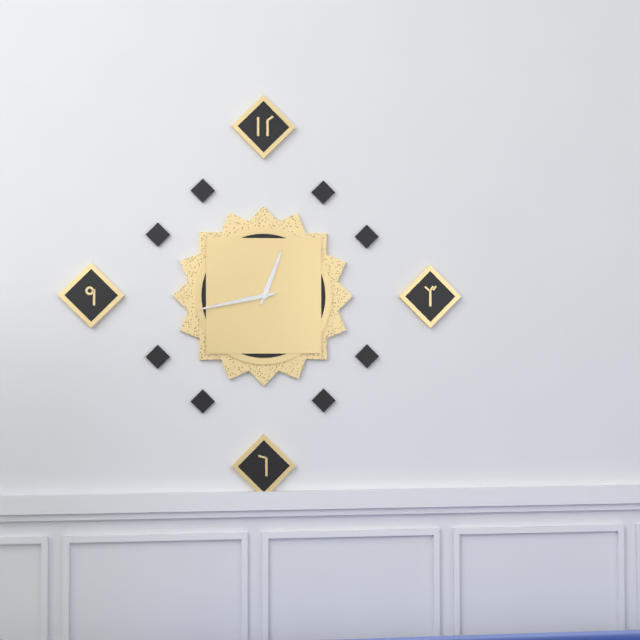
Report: 12 h 43 min
